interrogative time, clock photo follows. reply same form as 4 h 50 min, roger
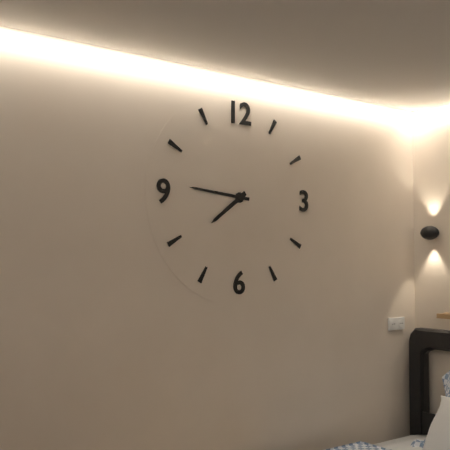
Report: 7 h 46 min
